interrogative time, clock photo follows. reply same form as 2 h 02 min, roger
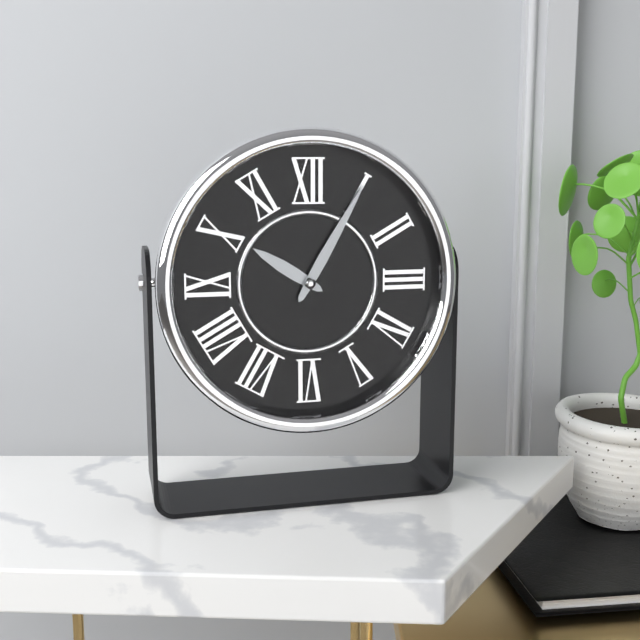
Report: 10 h 05 min
